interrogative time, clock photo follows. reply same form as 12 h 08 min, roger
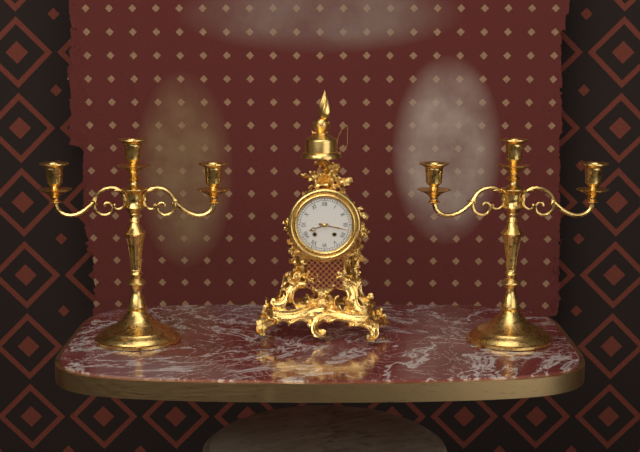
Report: 8 h 17 min
